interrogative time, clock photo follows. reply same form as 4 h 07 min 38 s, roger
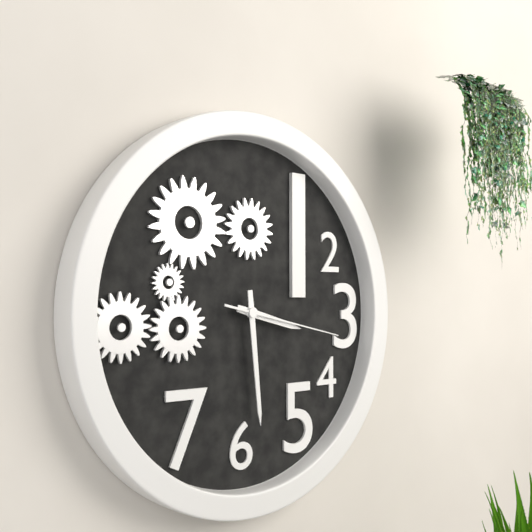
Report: 3 h 29 min 17 s
